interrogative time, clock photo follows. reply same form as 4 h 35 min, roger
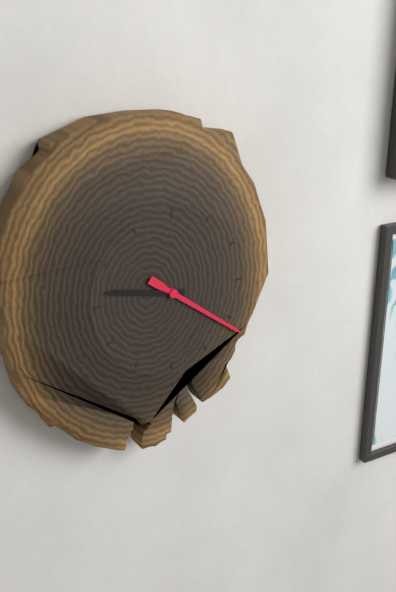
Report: 9 h 21 min
